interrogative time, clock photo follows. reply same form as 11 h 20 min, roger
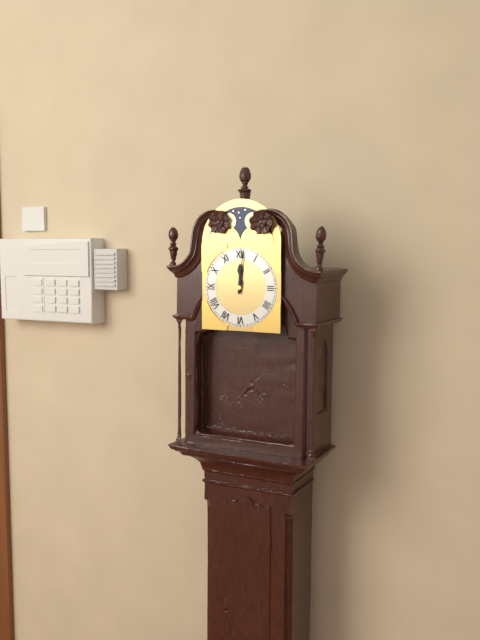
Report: 12 h 01 min
